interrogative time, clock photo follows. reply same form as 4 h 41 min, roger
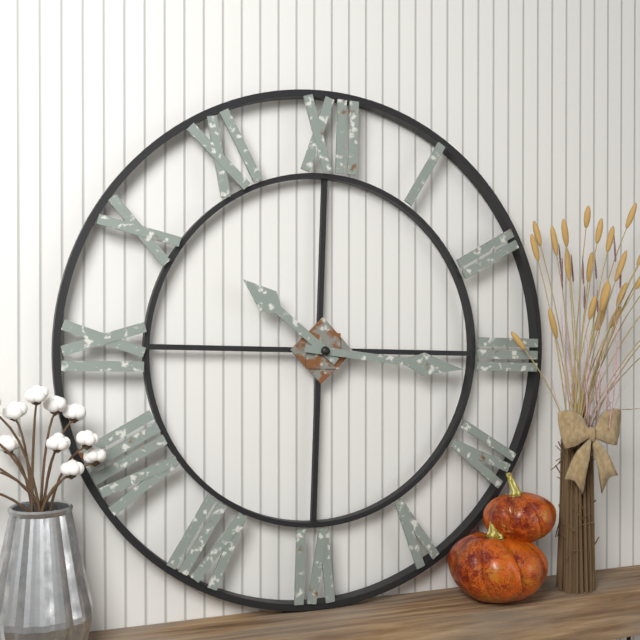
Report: 10 h 16 min
